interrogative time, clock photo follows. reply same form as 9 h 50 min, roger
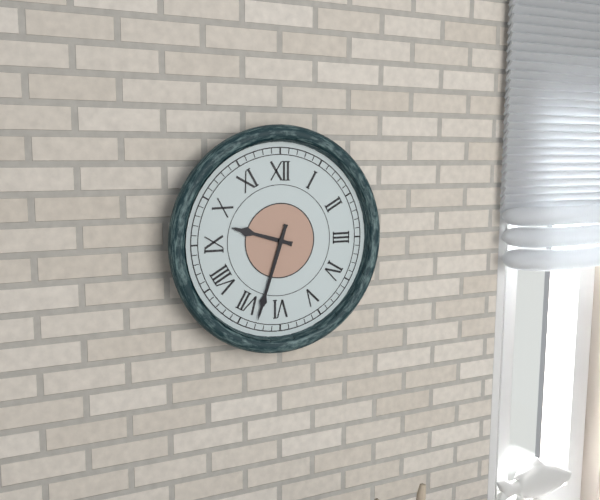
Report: 9 h 33 min
